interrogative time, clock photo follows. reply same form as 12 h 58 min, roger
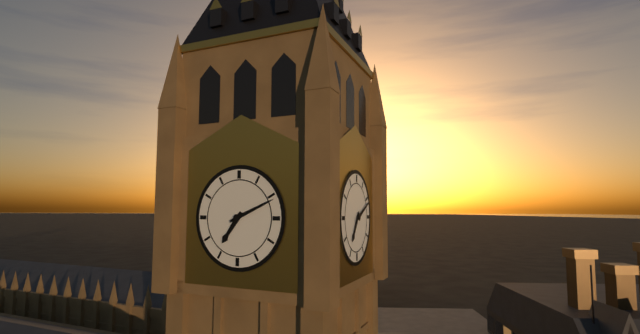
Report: 7 h 11 min
